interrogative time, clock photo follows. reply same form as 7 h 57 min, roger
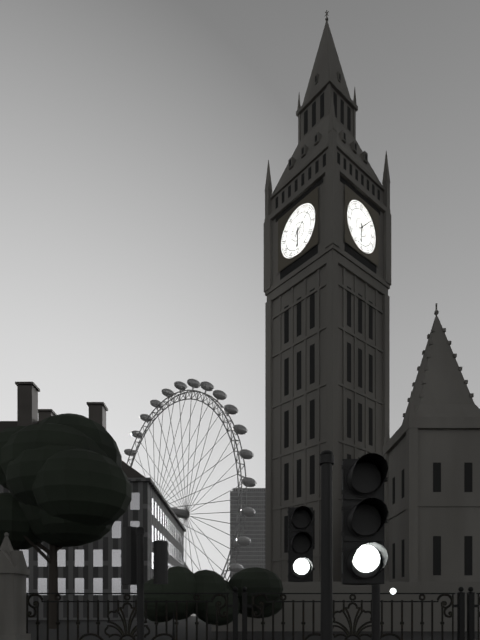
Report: 6 h 08 min
